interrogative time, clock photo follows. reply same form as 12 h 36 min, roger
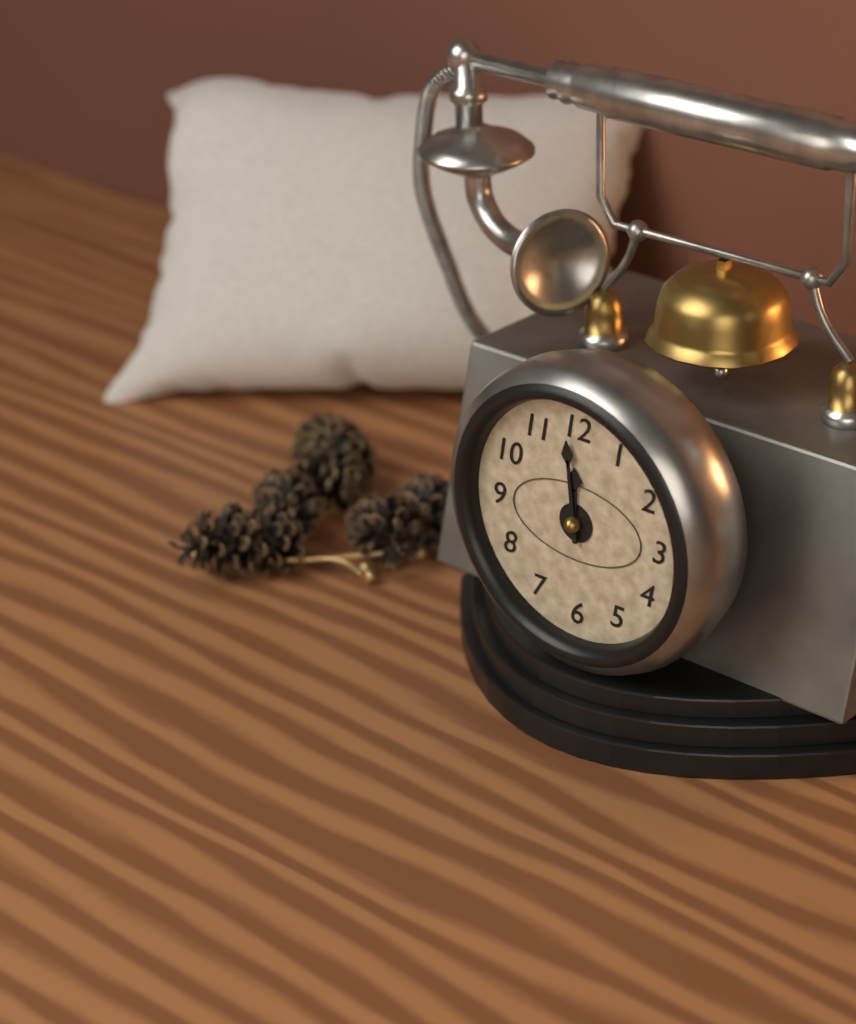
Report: 11 h 59 min
